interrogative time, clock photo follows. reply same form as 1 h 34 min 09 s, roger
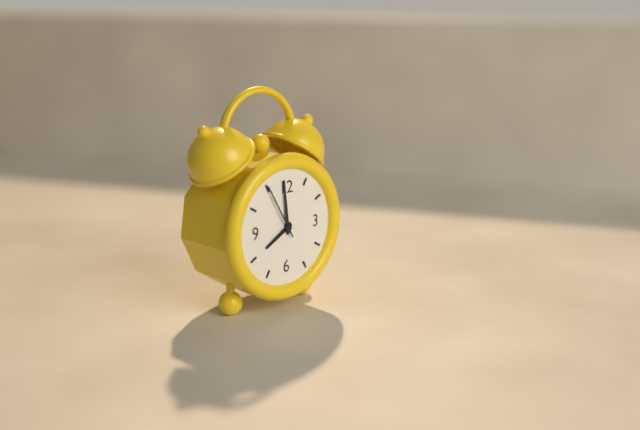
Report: 7 h 59 min 55 s
